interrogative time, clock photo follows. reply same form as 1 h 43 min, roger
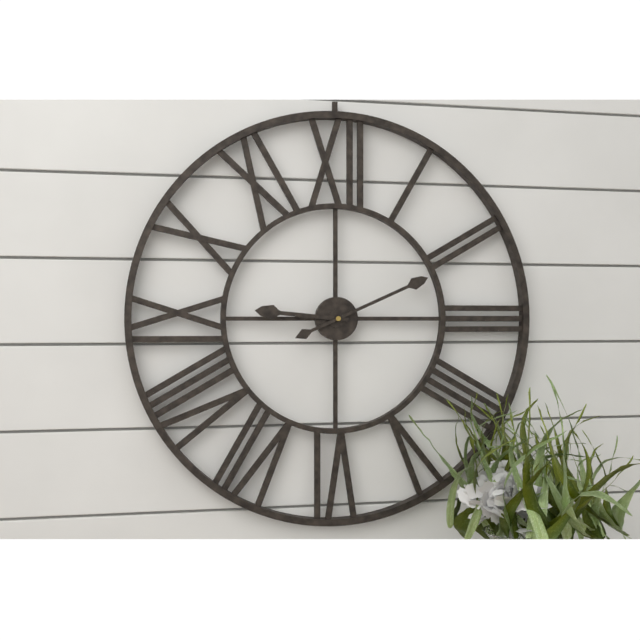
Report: 9 h 11 min
